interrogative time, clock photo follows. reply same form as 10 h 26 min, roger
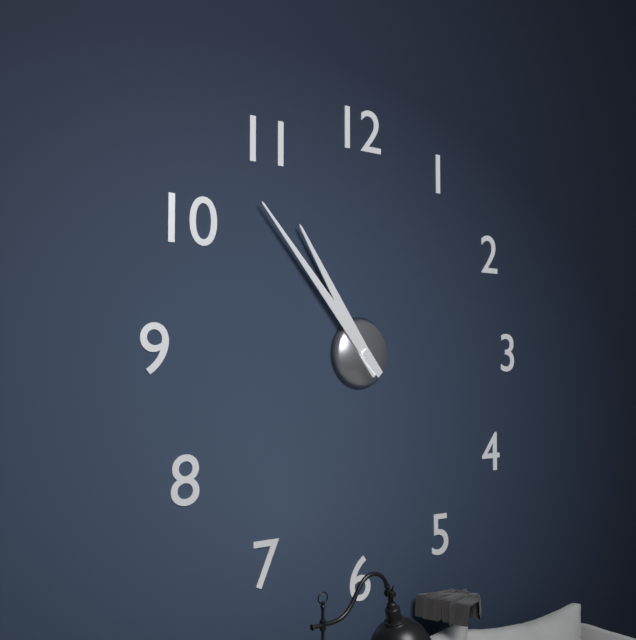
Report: 10 h 53 min
